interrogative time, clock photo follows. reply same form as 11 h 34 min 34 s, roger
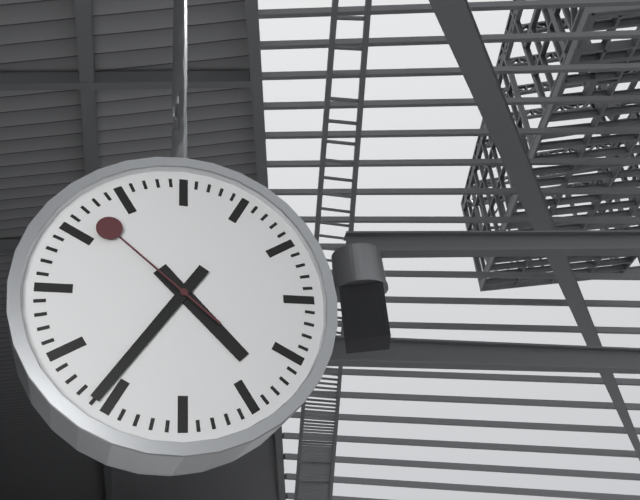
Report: 4 h 36 min 52 s
